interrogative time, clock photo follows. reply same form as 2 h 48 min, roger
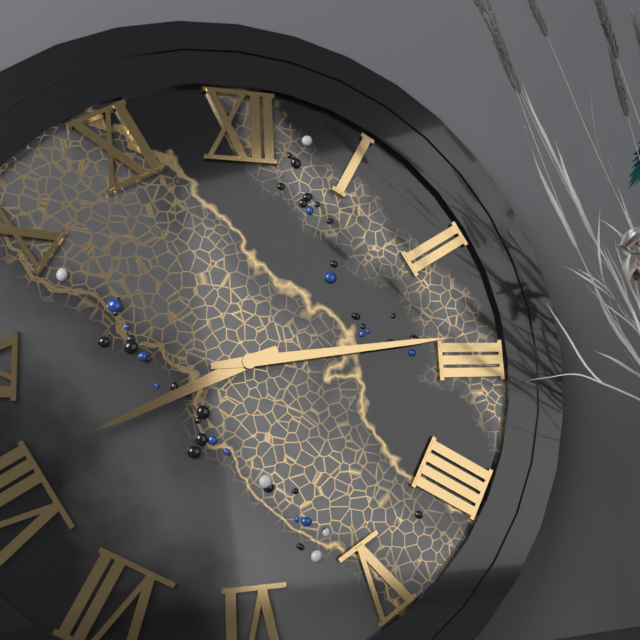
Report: 8 h 14 min
